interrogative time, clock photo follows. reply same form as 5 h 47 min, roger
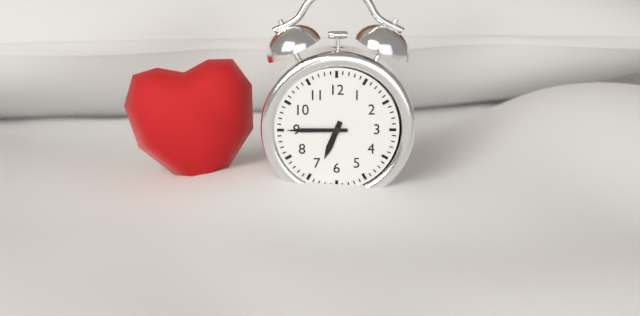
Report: 6 h 45 min
